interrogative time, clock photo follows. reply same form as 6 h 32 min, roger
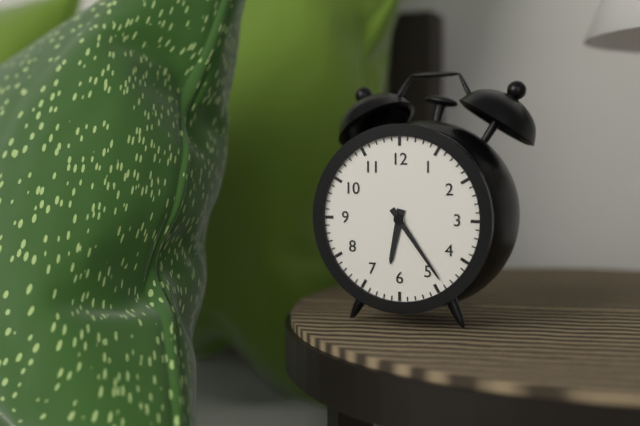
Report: 6 h 24 min
